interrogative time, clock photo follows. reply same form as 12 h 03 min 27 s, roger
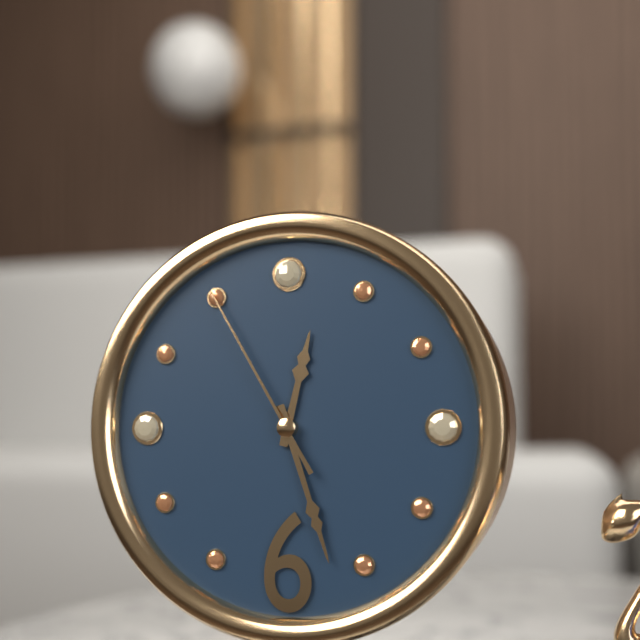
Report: 12 h 27 min 55 s
